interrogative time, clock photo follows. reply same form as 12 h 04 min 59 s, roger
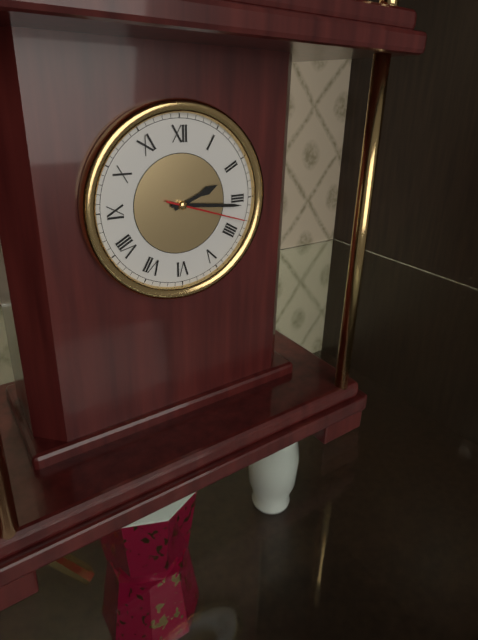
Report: 2 h 16 min 18 s
